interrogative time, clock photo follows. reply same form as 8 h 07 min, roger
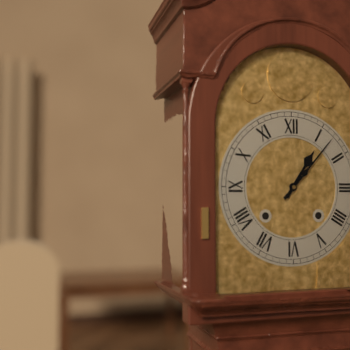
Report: 1 h 07 min
